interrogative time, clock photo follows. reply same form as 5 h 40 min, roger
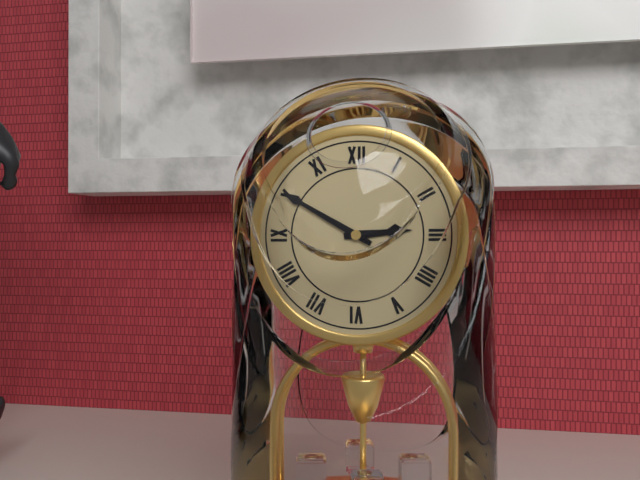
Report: 2 h 50 min
